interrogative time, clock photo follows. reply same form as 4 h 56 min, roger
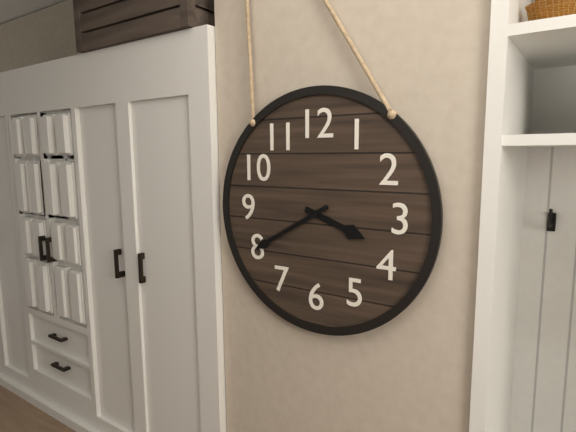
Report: 3 h 40 min
